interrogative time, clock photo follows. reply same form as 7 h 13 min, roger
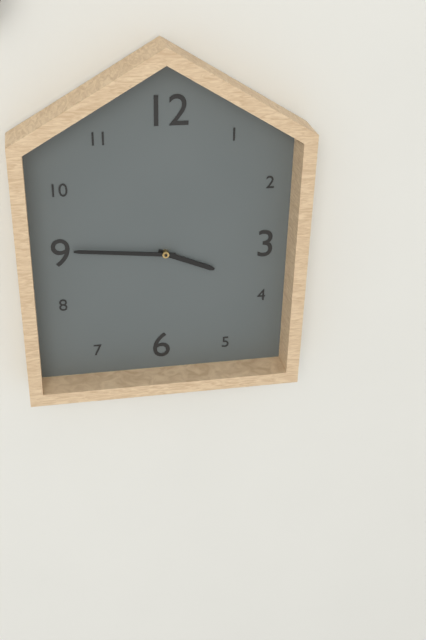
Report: 3 h 46 min
